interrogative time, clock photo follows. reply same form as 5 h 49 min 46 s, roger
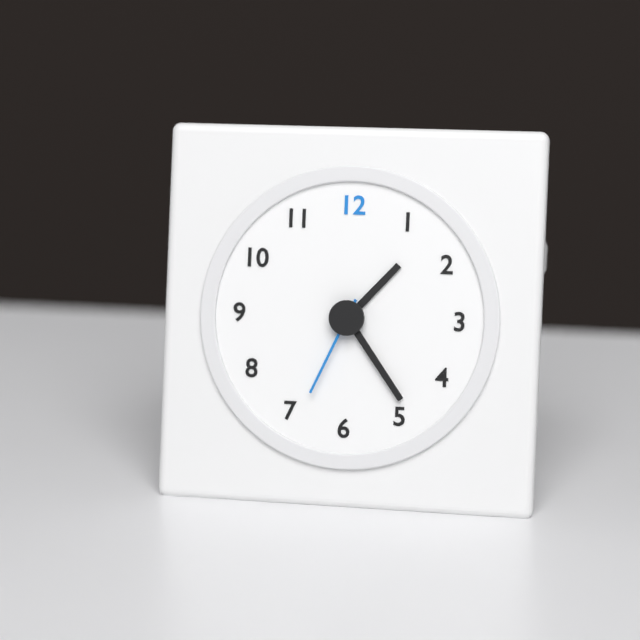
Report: 1 h 24 min 34 s
